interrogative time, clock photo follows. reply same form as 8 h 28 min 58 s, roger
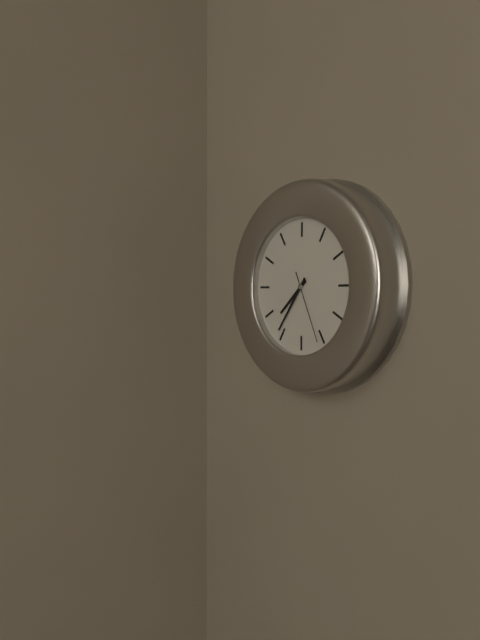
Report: 7 h 36 min 26 s
